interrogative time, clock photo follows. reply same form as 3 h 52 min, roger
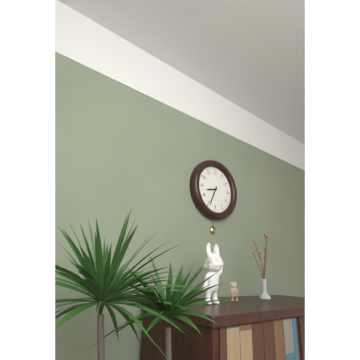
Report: 8 h 34 min
